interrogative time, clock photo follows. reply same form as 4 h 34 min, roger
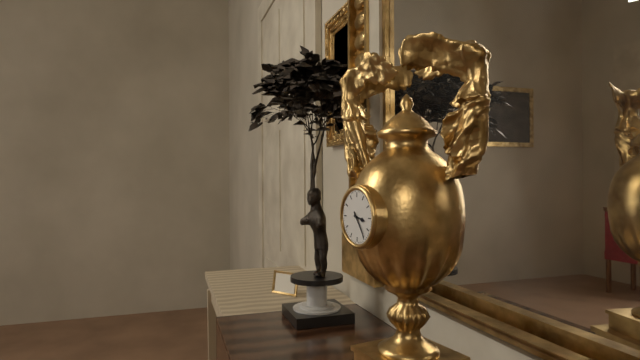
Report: 3 h 24 min
